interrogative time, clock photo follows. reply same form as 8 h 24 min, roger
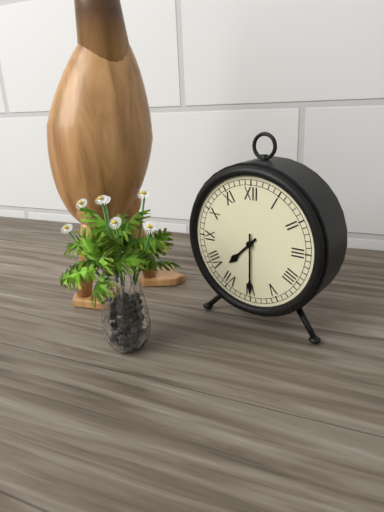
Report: 7 h 30 min
